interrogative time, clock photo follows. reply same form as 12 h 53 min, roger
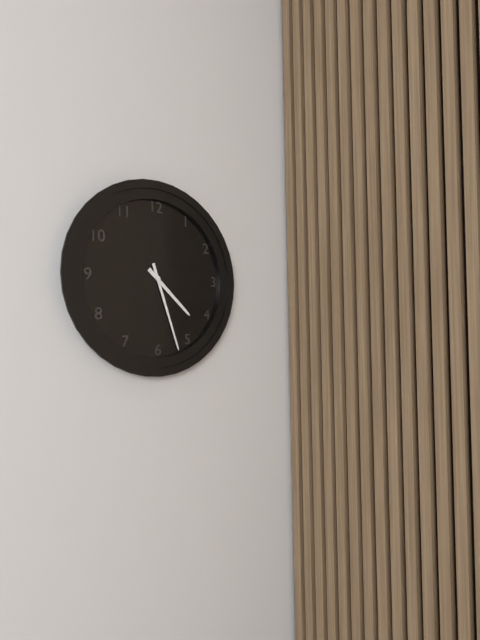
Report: 4 h 27 min
